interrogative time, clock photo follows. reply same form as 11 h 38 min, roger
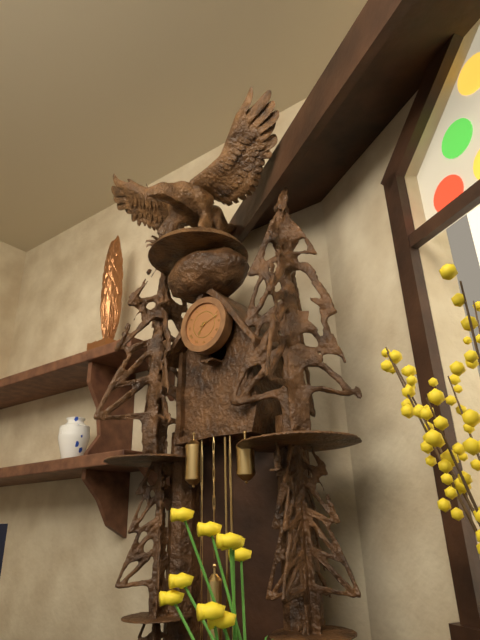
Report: 7 h 12 min
